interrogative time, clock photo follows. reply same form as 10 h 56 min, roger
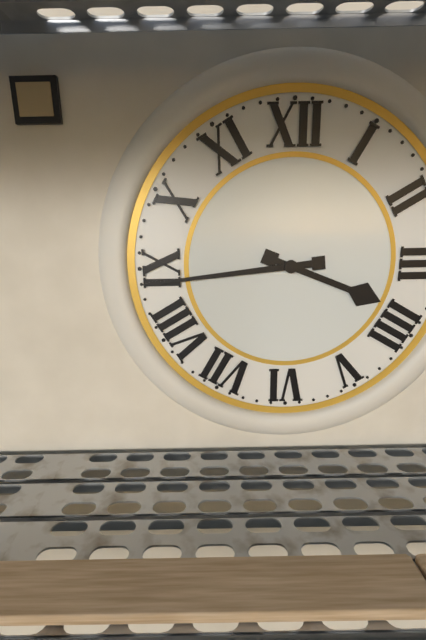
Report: 3 h 44 min
